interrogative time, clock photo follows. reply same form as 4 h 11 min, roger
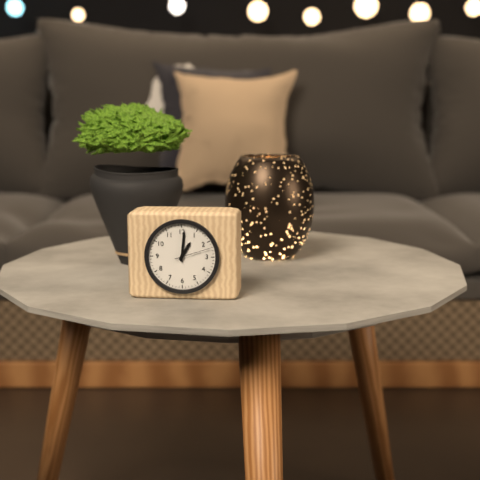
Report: 1 h 01 min
